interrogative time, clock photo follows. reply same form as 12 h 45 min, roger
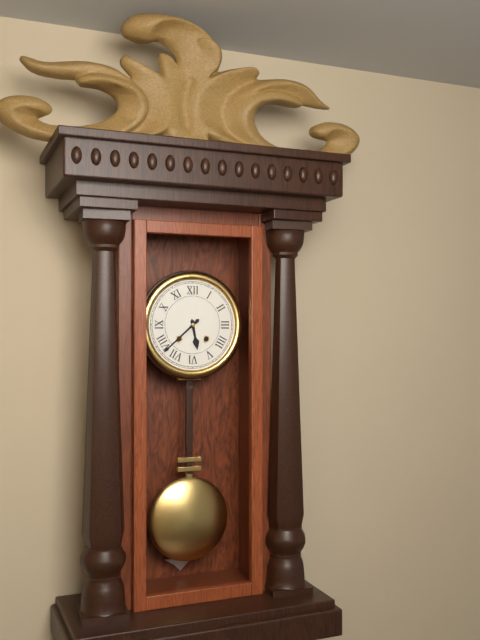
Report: 5 h 38 min
